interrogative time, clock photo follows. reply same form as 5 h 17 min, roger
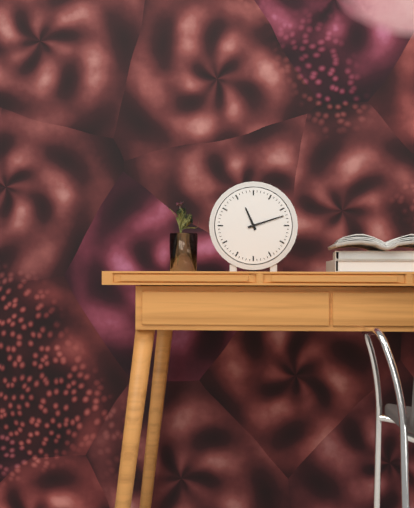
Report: 11 h 12 min
